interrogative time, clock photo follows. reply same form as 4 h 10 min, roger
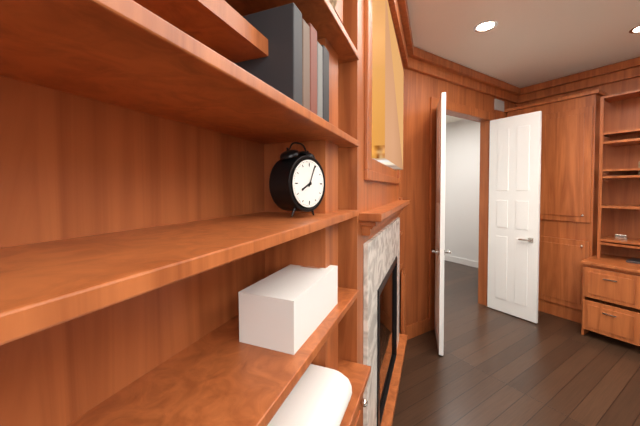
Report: 8 h 04 min
